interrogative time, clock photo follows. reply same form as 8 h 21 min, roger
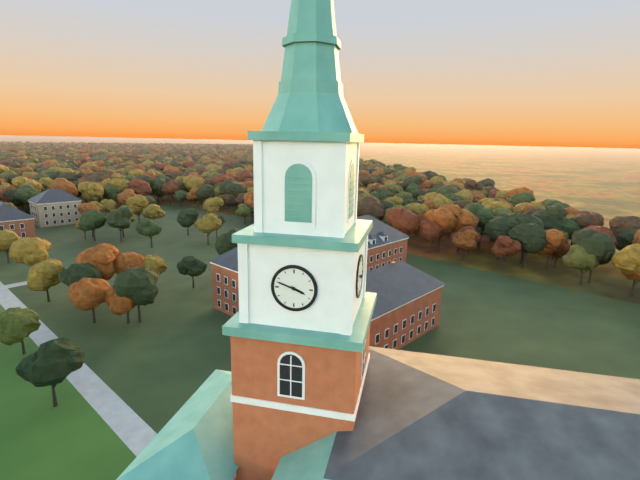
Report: 3 h 48 min
